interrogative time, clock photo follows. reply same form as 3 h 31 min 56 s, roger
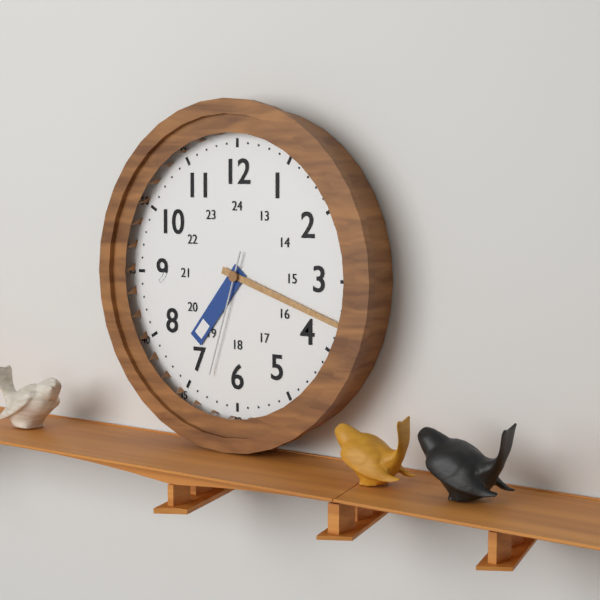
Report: 7 h 18 min 33 s
